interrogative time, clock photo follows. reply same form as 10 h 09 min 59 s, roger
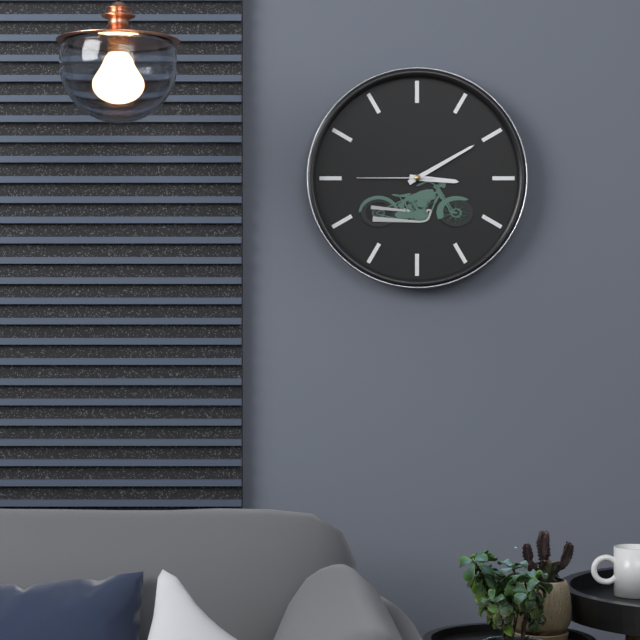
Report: 3 h 10 min 45 s
